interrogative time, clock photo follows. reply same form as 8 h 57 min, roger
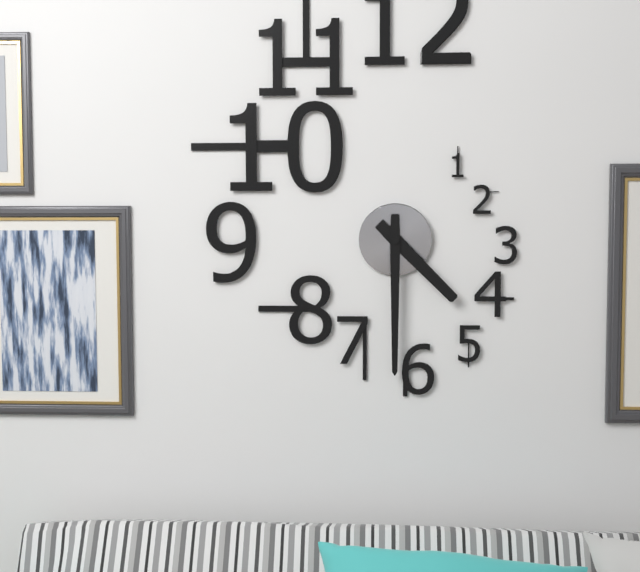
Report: 4 h 30 min
